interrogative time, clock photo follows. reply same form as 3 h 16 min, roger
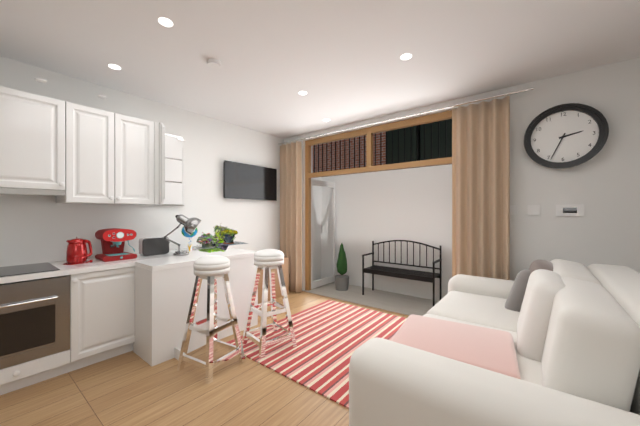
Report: 2 h 34 min
